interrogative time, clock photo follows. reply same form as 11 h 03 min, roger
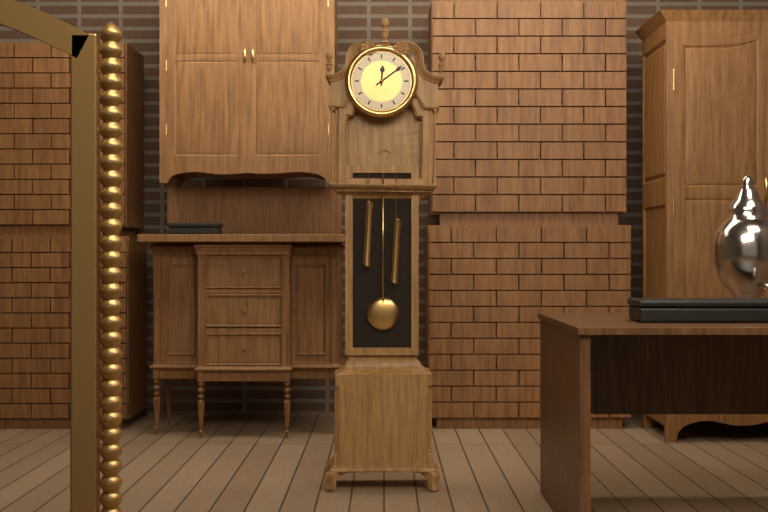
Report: 12 h 09 min
